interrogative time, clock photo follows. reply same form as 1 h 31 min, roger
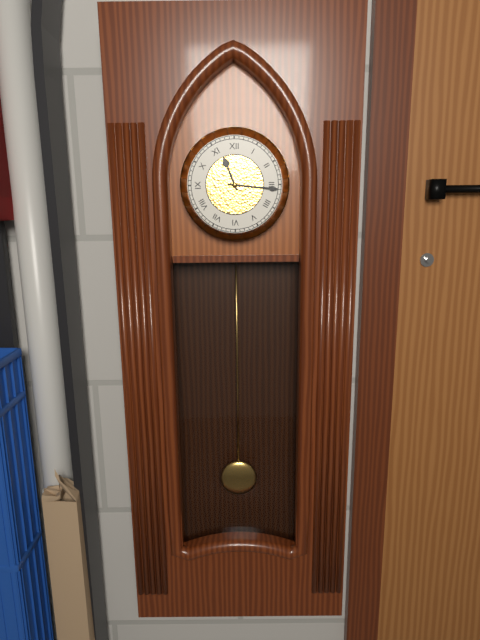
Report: 11 h 16 min
